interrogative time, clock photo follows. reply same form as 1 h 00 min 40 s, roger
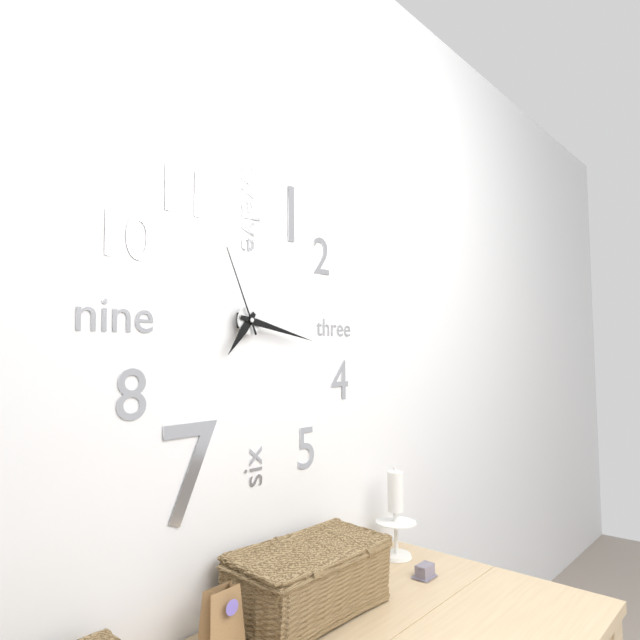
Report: 7 h 17 min 56 s
